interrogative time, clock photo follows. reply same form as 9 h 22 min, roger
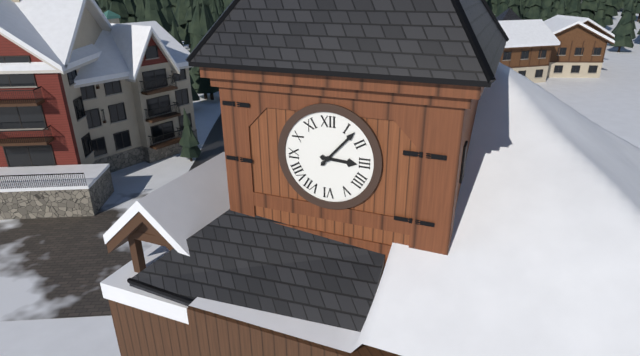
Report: 3 h 07 min
